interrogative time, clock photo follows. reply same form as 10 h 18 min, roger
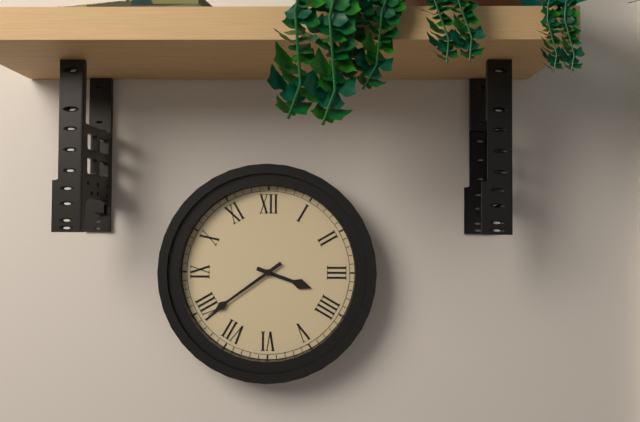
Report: 3 h 39 min
